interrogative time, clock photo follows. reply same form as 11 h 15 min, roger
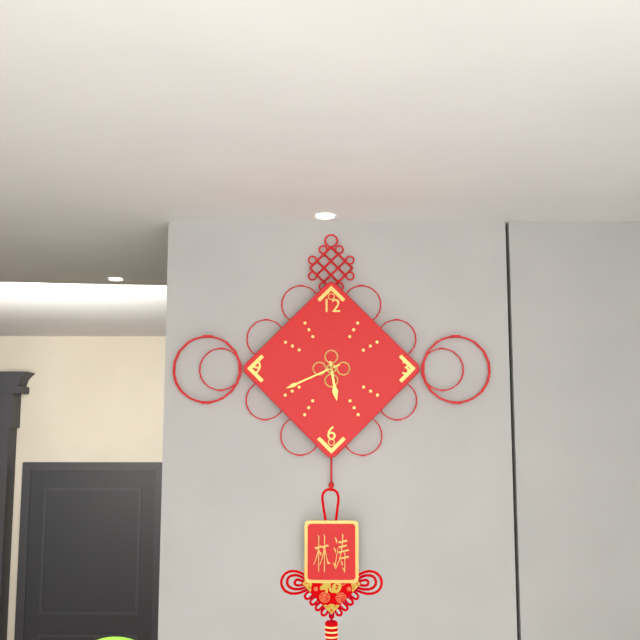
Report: 5 h 41 min
